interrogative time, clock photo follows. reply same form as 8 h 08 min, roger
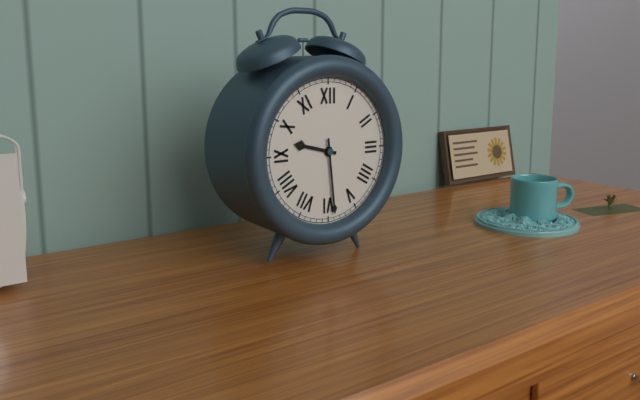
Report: 9 h 29 min
